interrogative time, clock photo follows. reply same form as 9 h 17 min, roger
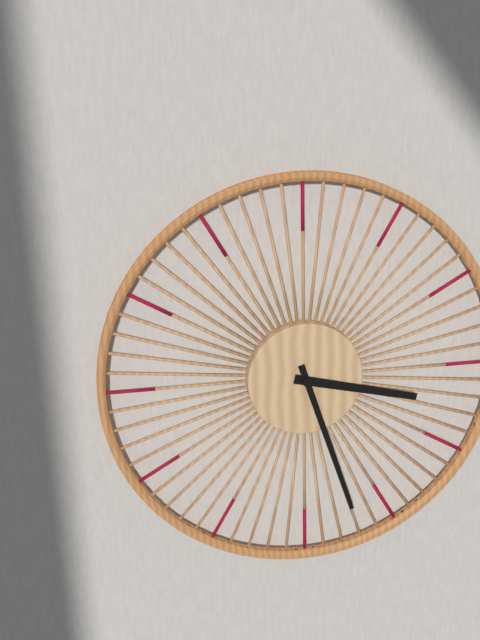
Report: 3 h 27 min
